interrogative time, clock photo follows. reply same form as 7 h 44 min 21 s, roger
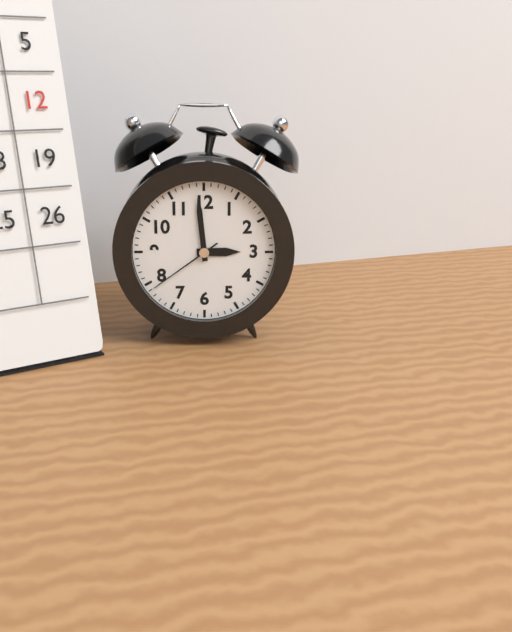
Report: 2 h 59 min 39 s
